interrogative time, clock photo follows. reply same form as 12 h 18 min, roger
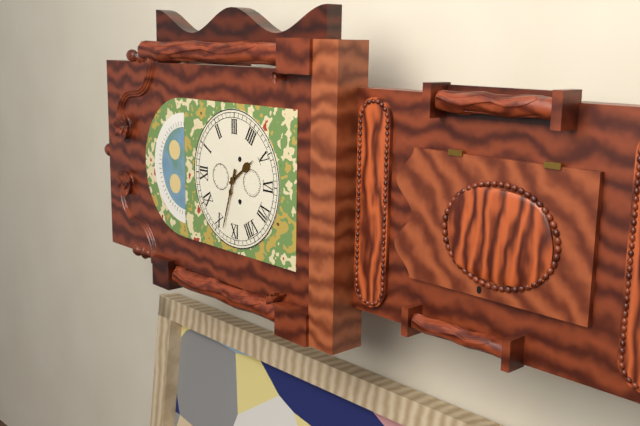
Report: 4 h 48 min
